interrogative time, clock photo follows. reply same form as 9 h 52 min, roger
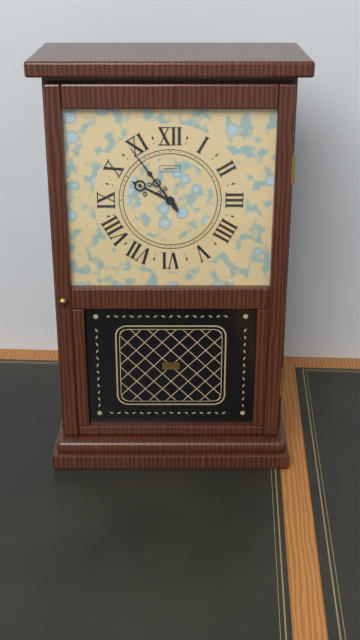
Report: 9 h 54 min
